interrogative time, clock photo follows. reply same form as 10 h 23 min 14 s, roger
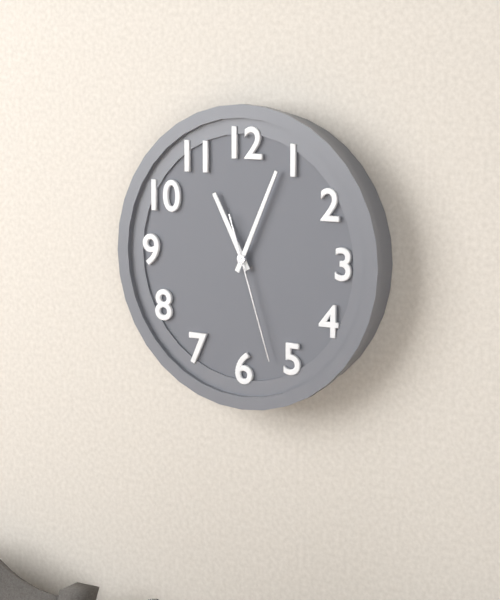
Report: 11 h 04 min 27 s
